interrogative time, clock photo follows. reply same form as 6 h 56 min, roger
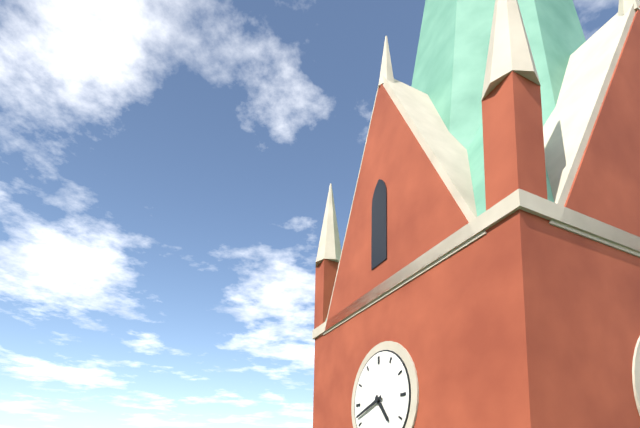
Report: 4 h 42 min
